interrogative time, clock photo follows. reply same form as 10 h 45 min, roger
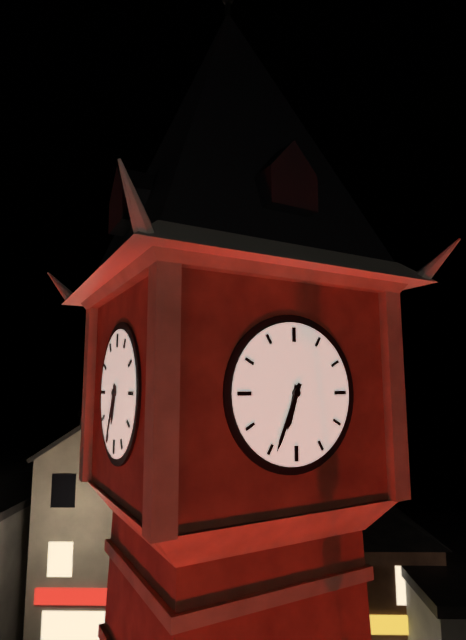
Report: 6 h 34 min
